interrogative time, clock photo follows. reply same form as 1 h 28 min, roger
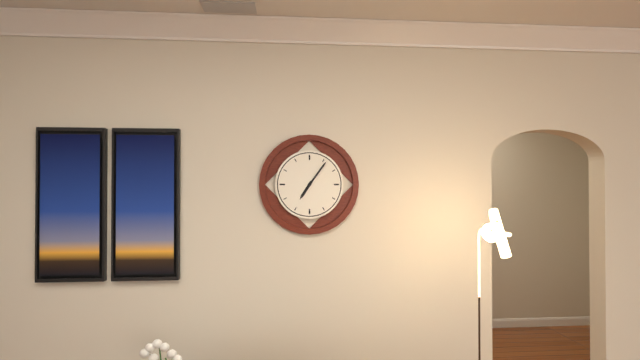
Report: 7 h 06 min
